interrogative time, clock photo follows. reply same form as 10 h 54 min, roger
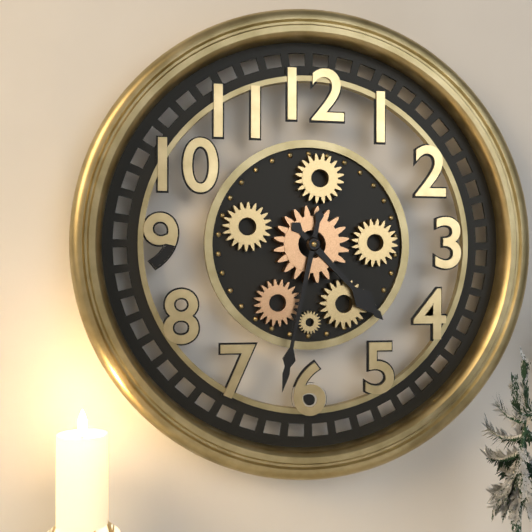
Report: 4 h 32 min
